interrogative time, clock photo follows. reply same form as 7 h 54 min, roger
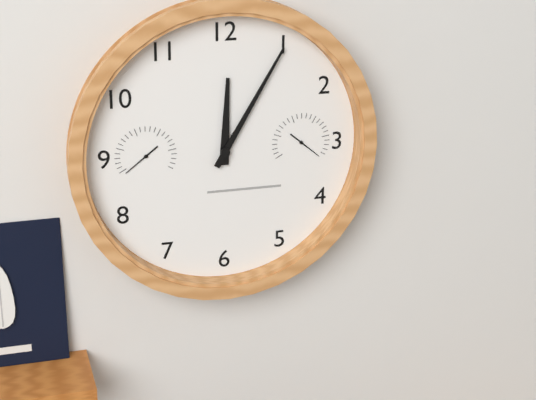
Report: 12 h 05 min
